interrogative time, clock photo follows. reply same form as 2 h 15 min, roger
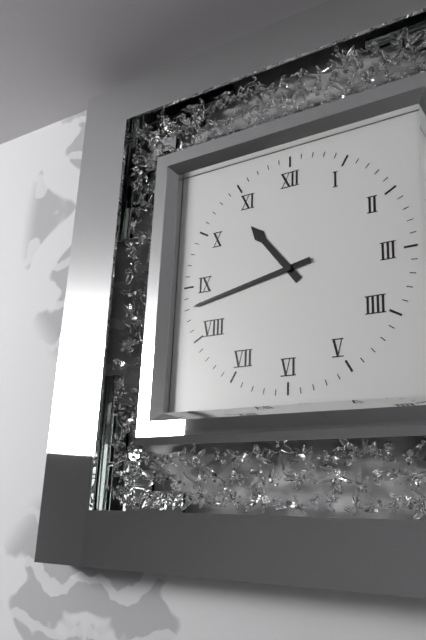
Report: 10 h 43 min
